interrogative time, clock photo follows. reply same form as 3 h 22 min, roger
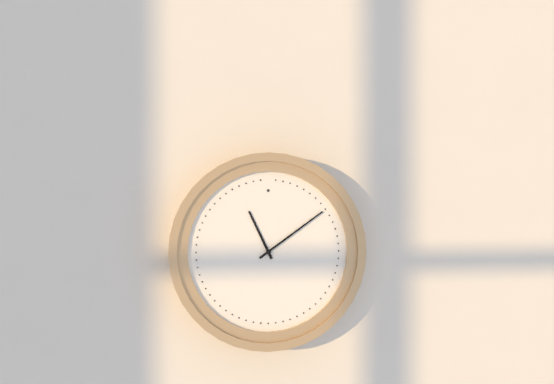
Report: 11 h 09 min
